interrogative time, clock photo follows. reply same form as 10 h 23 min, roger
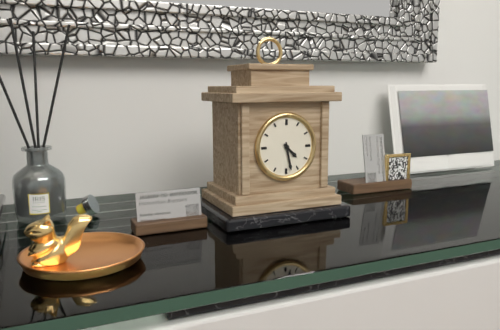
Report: 4 h 28 min
